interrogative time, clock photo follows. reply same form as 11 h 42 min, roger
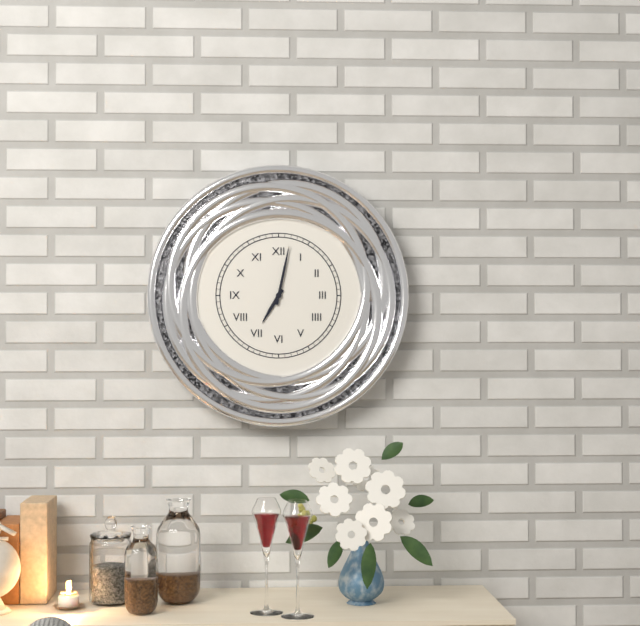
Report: 7 h 02 min
